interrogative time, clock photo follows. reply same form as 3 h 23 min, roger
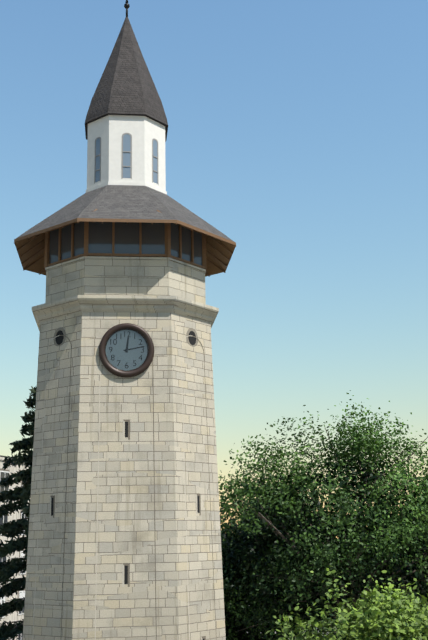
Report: 12 h 13 min
